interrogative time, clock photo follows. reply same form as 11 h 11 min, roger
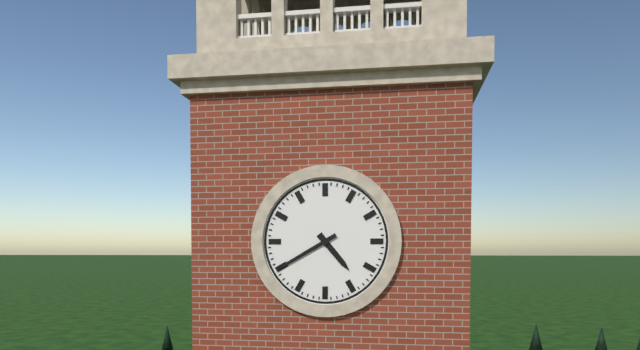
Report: 4 h 40 min
